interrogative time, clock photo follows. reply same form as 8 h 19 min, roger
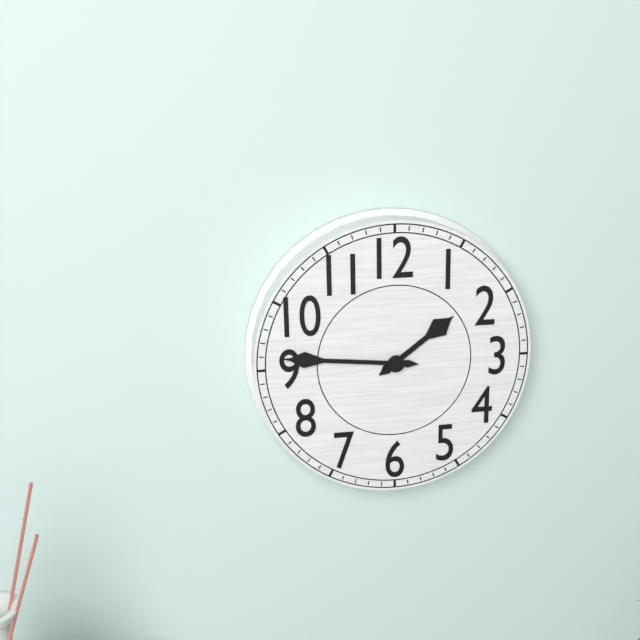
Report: 1 h 46 min
